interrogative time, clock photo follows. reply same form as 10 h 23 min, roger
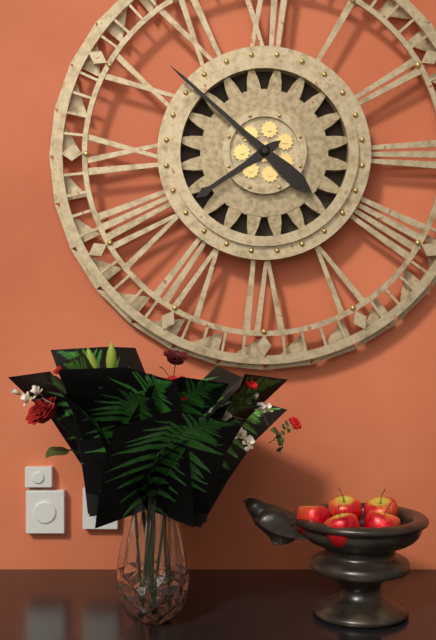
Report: 7 h 52 min
